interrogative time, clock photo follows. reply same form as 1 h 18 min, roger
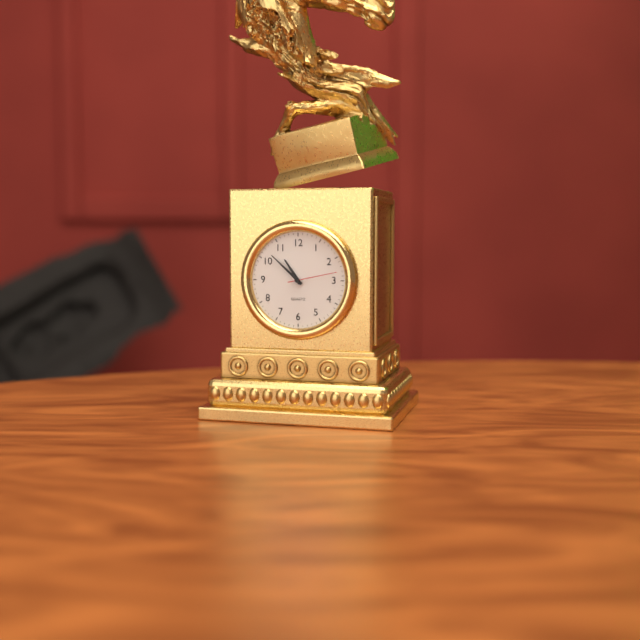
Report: 10 h 52 min
